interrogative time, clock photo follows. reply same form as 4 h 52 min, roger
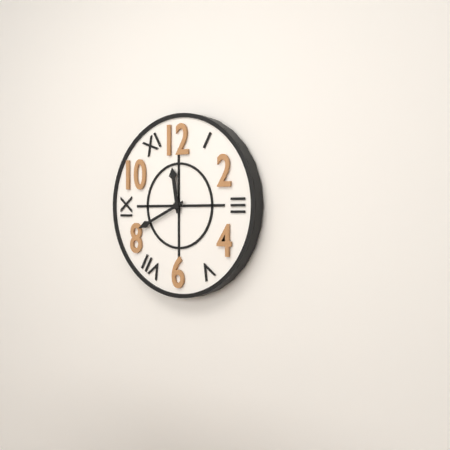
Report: 11 h 41 min
